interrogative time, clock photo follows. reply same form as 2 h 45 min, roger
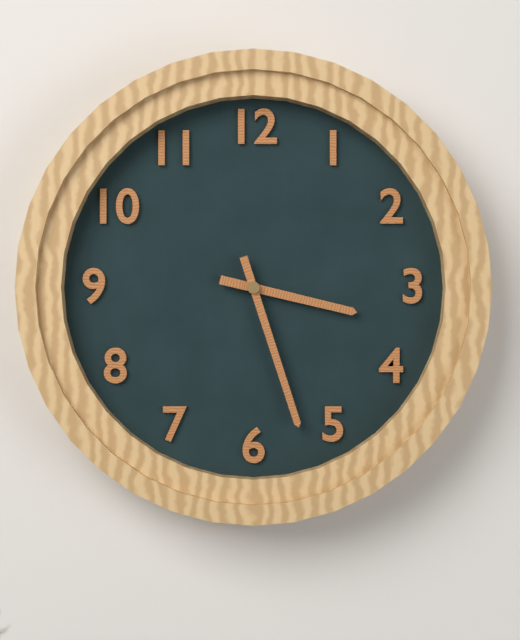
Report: 3 h 27 min
